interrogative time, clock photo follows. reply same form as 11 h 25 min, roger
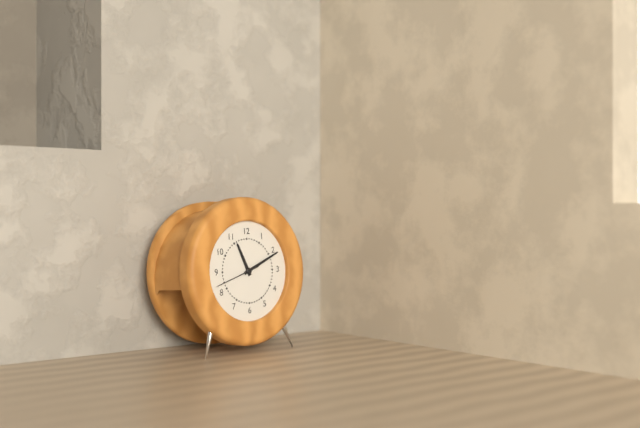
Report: 11 h 11 min
